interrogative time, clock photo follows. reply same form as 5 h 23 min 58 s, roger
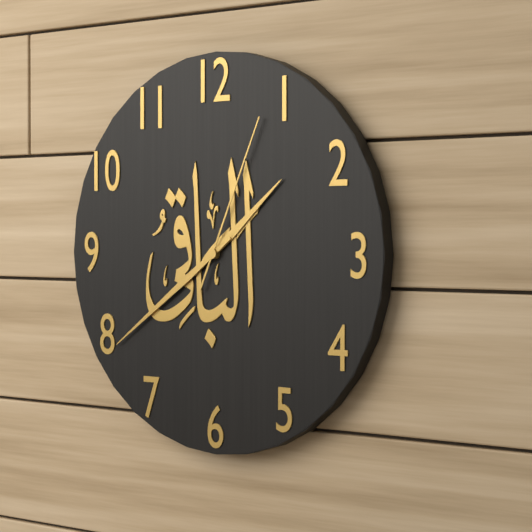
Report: 1 h 39 min 04 s
